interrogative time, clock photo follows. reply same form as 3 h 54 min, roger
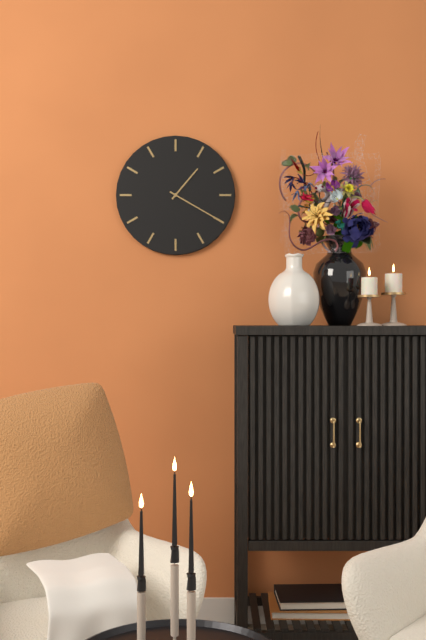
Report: 1 h 20 min
